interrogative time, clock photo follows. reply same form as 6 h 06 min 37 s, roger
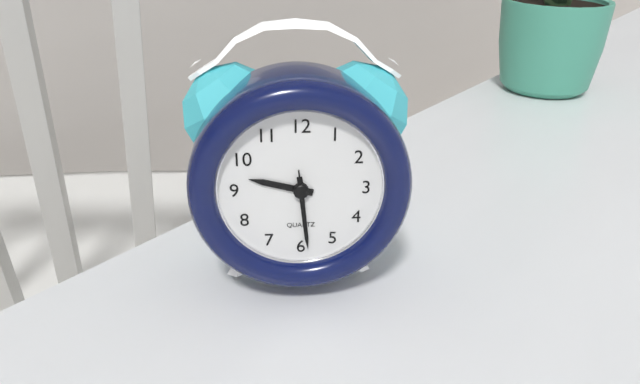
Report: 9 h 29 min 29 s
